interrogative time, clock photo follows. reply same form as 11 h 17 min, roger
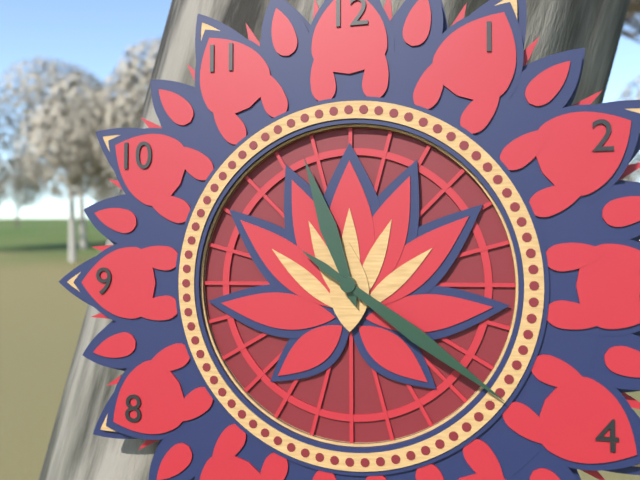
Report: 11 h 21 min
